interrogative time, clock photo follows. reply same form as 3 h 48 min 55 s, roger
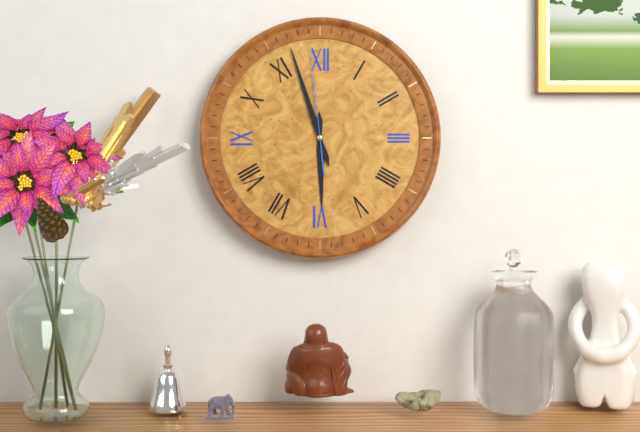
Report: 5 h 57 min 59 s
